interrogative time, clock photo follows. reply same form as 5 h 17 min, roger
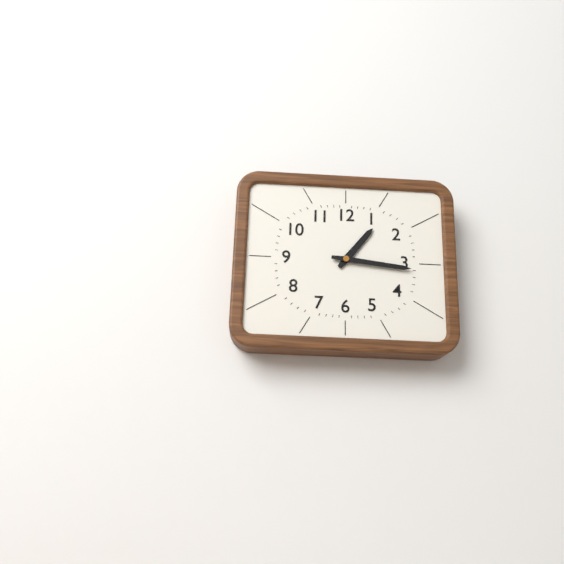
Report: 1 h 16 min
